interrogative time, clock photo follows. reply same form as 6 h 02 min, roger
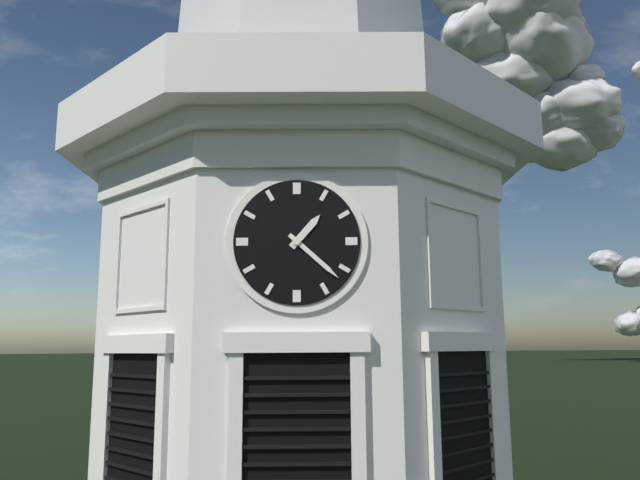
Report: 1 h 22 min
